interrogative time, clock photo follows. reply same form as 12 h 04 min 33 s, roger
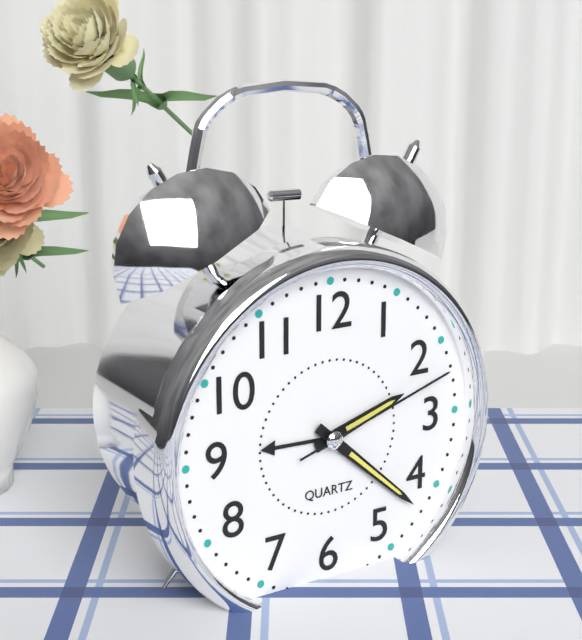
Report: 2 h 22 min 12 s
